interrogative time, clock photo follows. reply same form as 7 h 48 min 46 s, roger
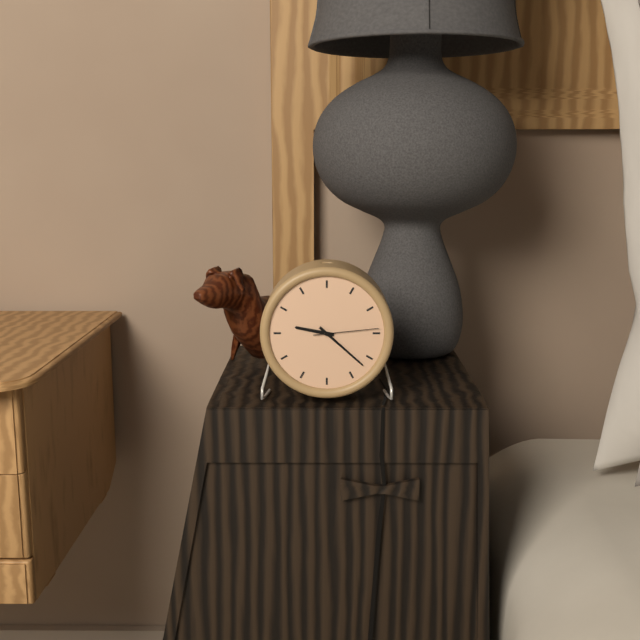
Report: 9 h 22 min 14 s
